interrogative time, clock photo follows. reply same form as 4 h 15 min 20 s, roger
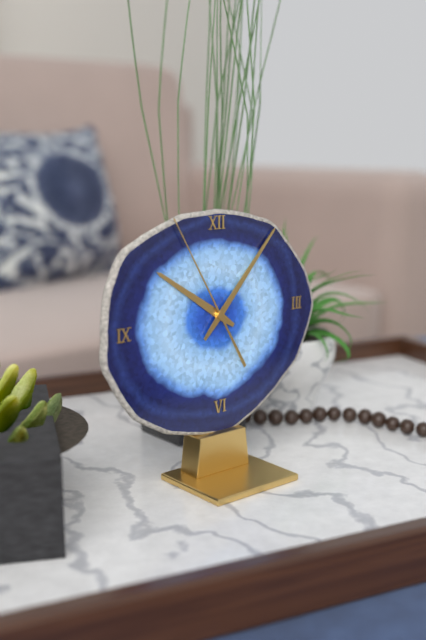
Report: 10 h 07 min 55 s
